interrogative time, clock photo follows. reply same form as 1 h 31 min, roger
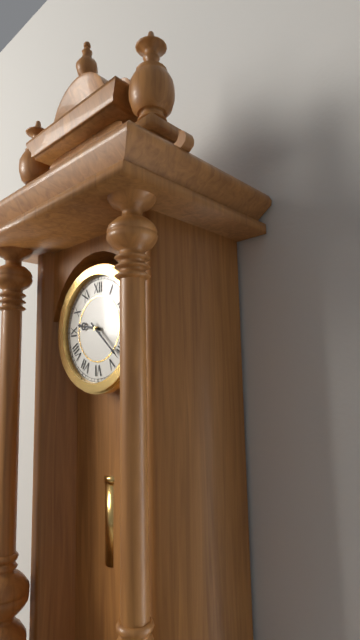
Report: 9 h 22 min
